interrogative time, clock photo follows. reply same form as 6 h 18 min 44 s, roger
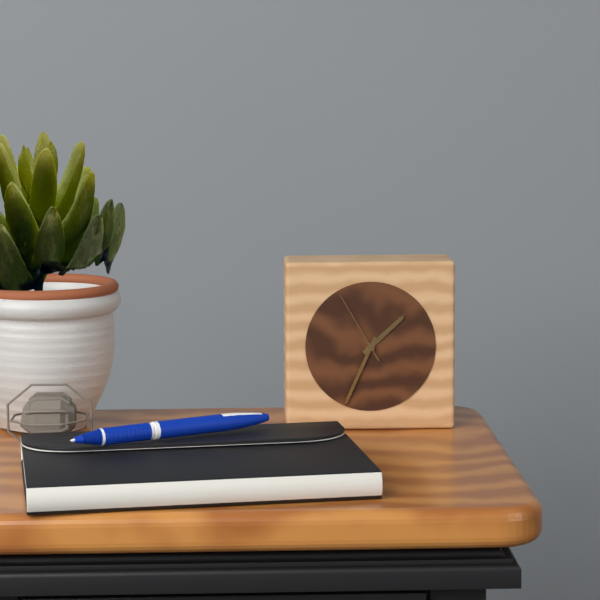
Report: 1 h 34 min 55 s
